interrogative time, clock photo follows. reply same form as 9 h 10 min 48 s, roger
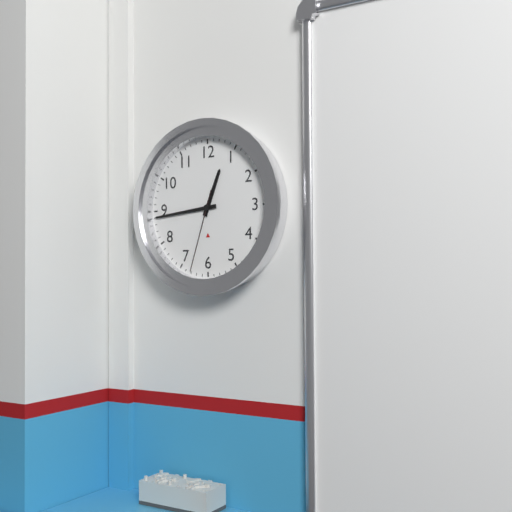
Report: 12 h 44 min 33 s
